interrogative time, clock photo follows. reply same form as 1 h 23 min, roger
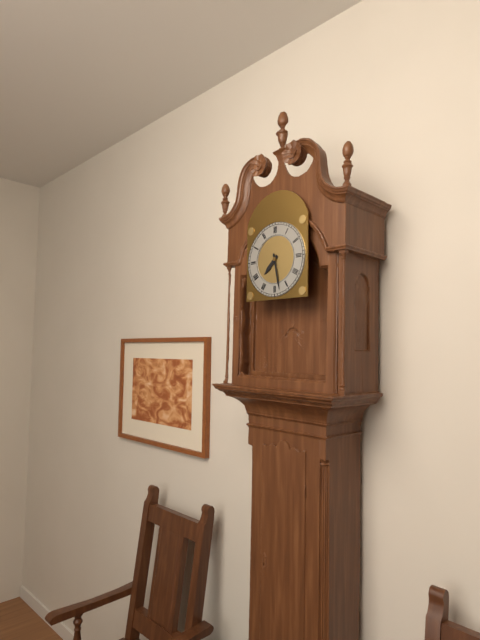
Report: 7 h 28 min
